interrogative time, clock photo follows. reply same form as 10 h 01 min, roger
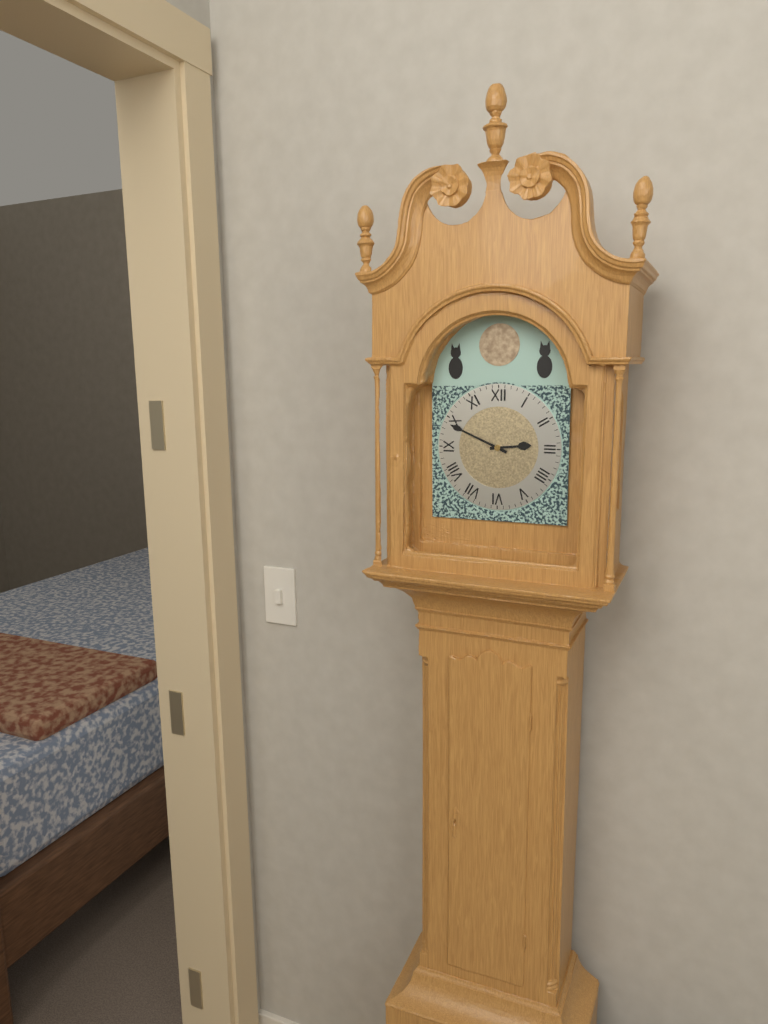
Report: 2 h 49 min
